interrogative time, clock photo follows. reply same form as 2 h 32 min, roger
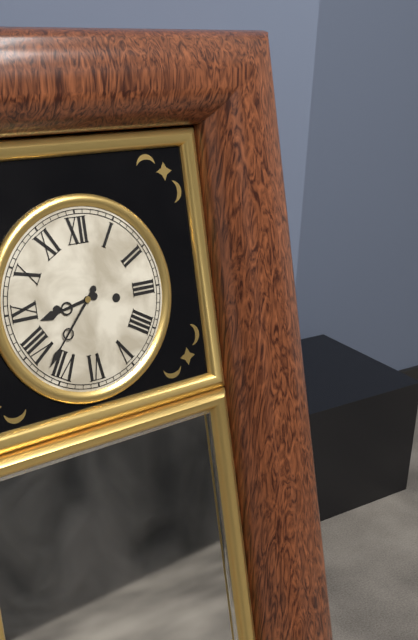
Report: 8 h 37 min
